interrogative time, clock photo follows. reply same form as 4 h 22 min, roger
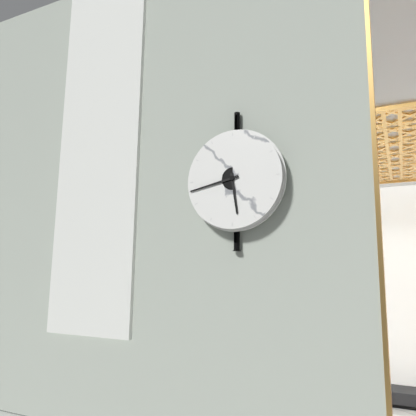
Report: 5 h 43 min
